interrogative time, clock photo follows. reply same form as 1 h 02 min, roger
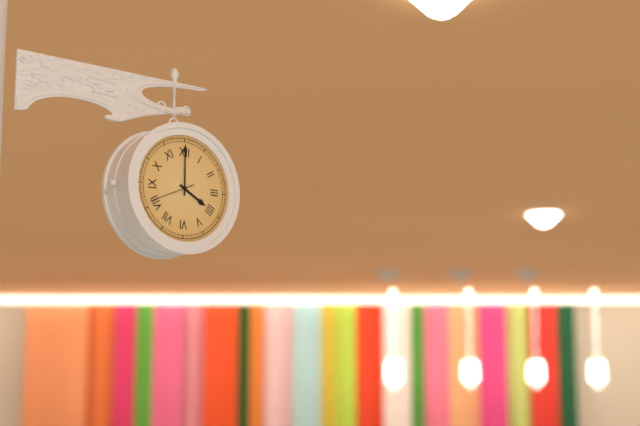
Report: 4 h 00 min
